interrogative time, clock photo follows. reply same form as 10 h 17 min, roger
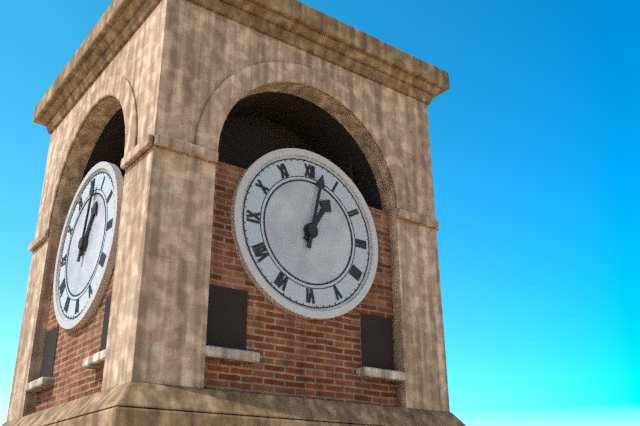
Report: 1 h 02 min
